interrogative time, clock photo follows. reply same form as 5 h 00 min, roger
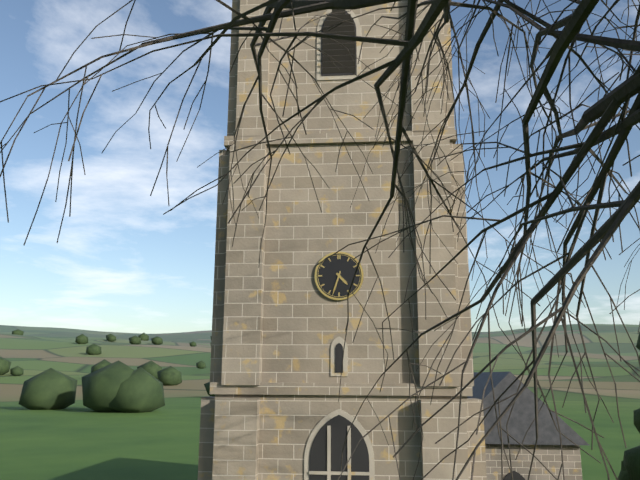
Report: 4 h 33 min
